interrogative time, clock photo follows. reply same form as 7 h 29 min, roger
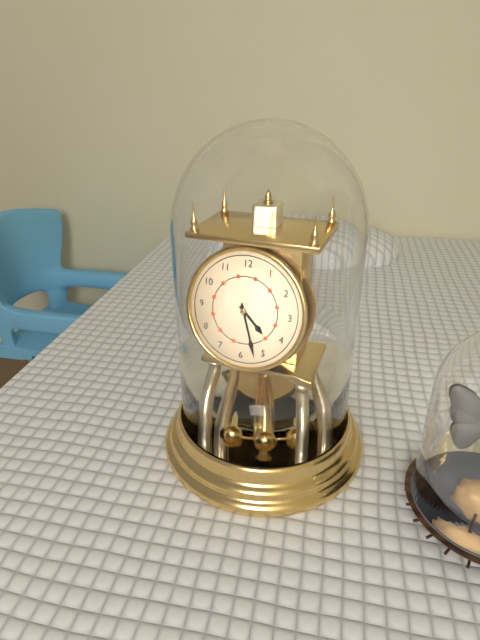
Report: 4 h 27 min
